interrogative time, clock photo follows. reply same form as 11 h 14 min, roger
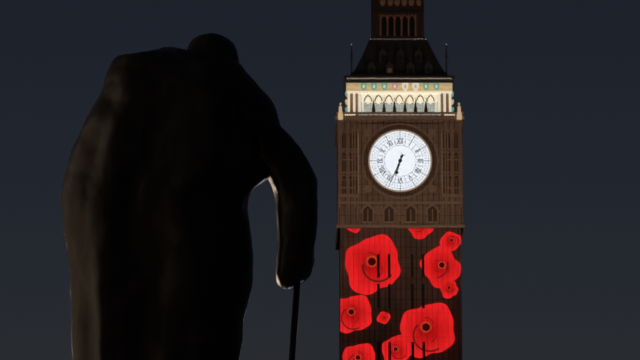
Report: 6 h 34 min
